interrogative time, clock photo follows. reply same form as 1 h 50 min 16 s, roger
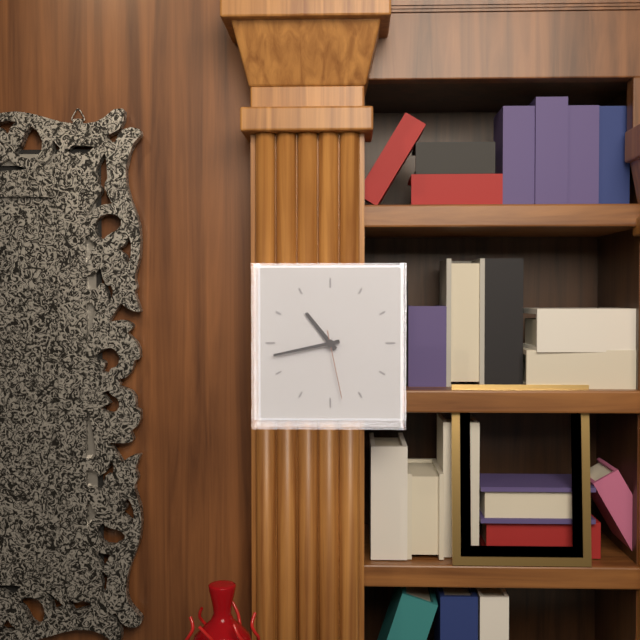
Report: 10 h 43 min 28 s
